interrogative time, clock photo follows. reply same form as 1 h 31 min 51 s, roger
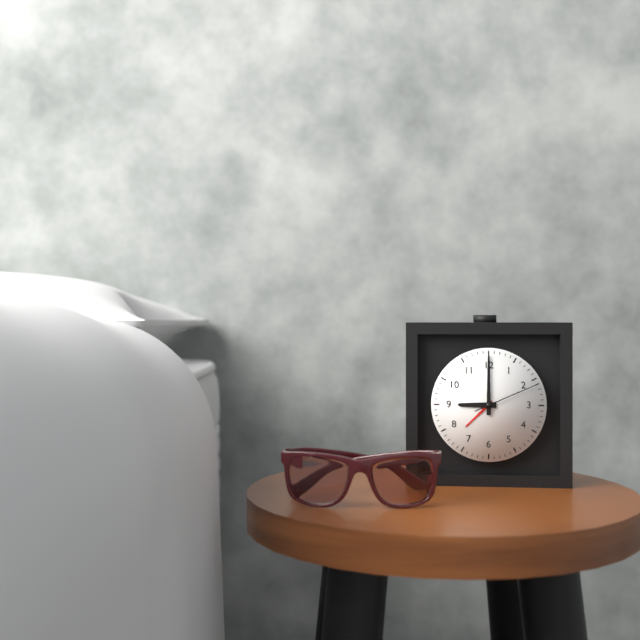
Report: 9 h 00 min 11 s
